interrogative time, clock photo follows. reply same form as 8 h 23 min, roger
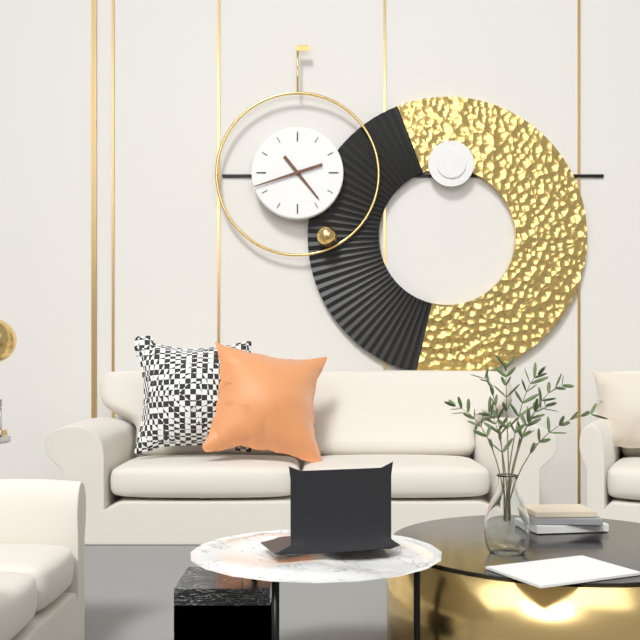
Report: 4 h 42 min
